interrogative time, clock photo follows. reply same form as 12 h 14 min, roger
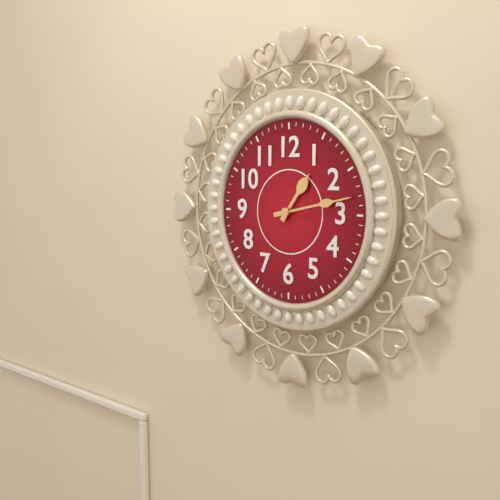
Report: 1 h 13 min
